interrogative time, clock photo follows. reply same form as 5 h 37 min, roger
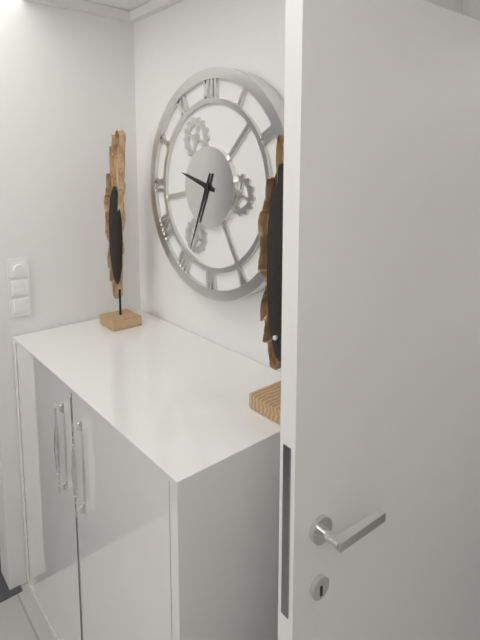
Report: 9 h 34 min
